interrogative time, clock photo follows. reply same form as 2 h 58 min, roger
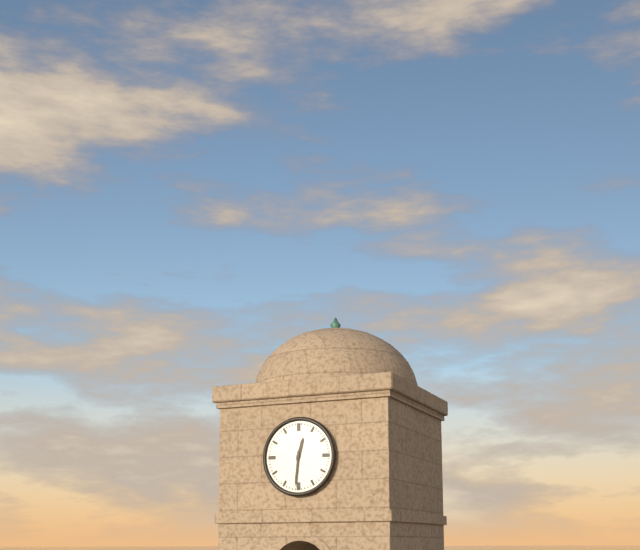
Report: 12 h 31 min
